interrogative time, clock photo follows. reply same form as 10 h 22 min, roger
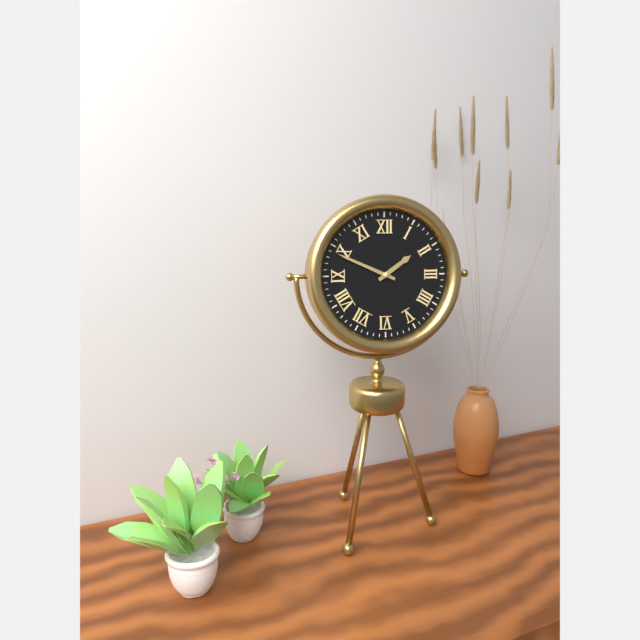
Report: 1 h 49 min
